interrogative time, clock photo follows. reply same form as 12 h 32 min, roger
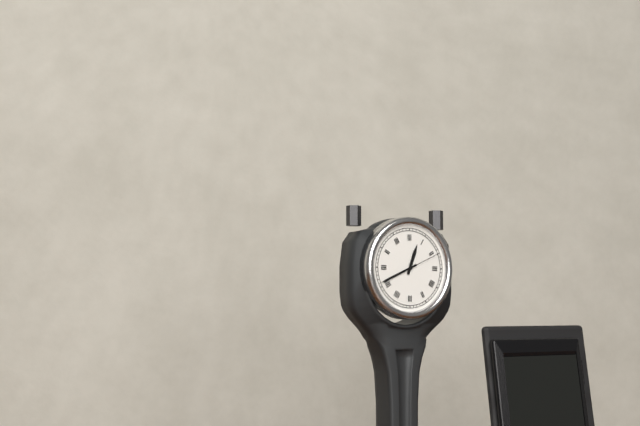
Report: 12 h 41 min
